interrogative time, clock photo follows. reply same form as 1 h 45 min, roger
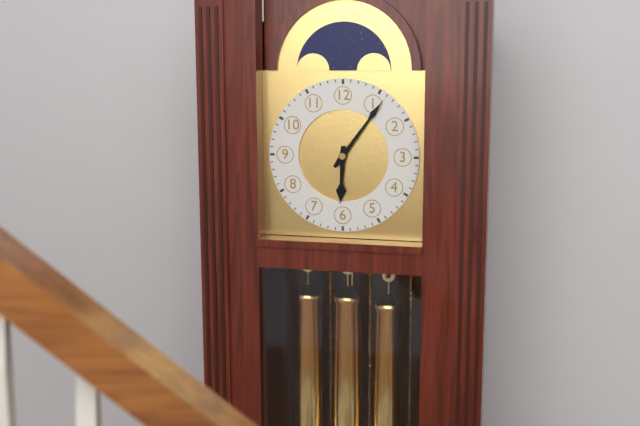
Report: 6 h 06 min
